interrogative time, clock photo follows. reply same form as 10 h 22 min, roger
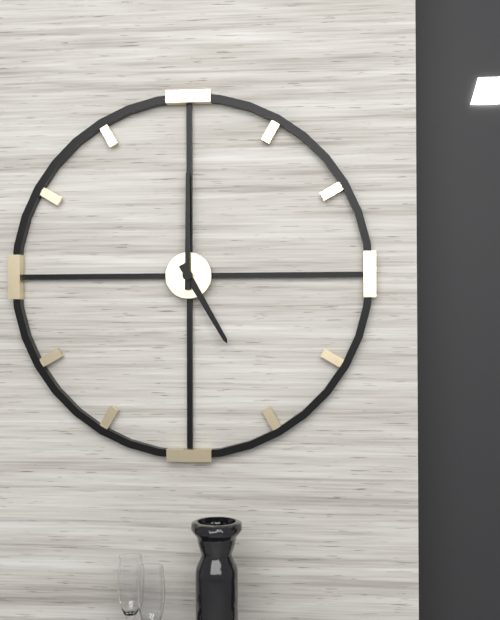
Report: 5 h 00 min
